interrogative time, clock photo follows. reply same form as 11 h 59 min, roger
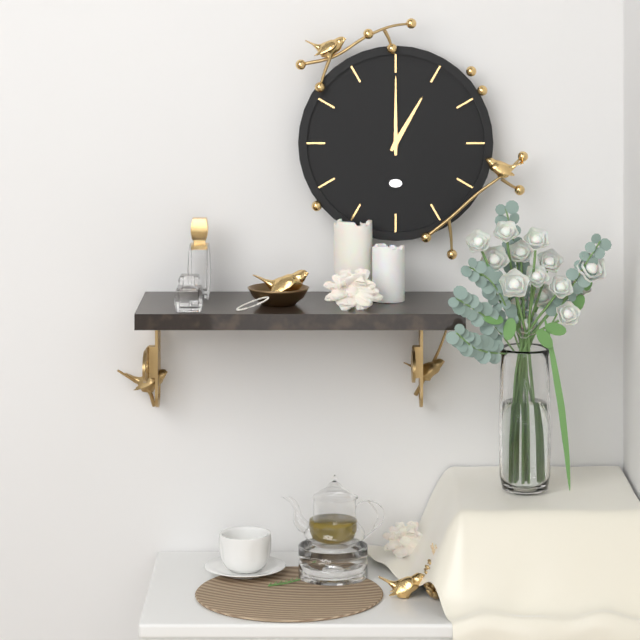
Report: 1 h 00 min
